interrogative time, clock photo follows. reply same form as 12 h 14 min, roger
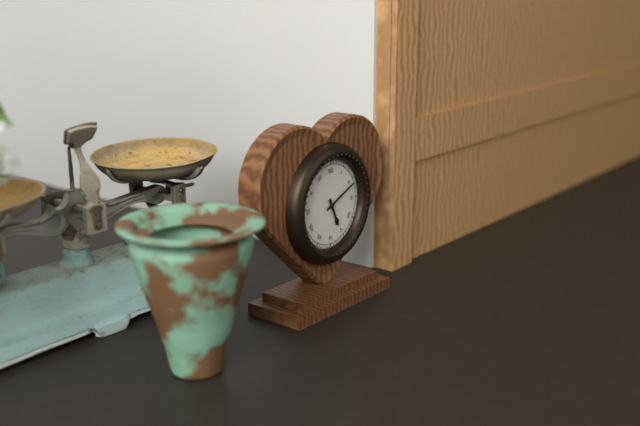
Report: 5 h 11 min
